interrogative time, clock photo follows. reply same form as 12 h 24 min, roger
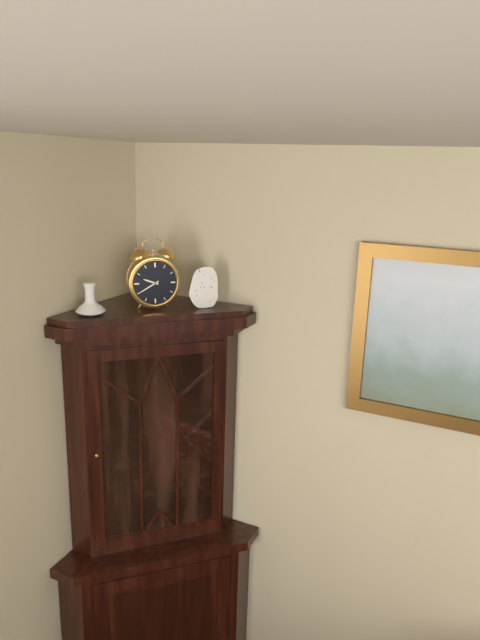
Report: 9 h 40 min
